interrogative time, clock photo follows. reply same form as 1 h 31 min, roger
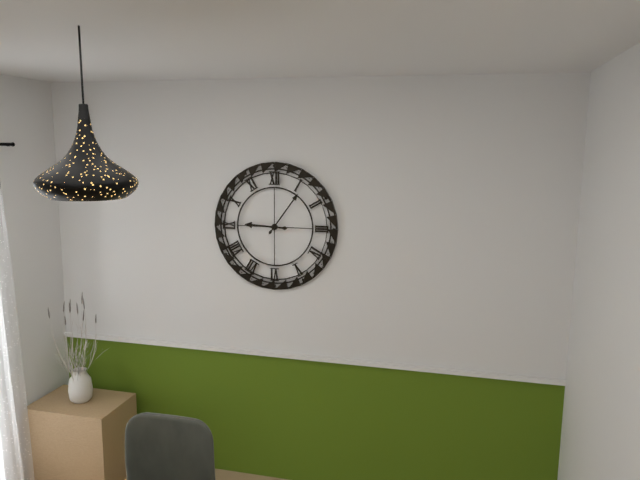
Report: 9 h 06 min
